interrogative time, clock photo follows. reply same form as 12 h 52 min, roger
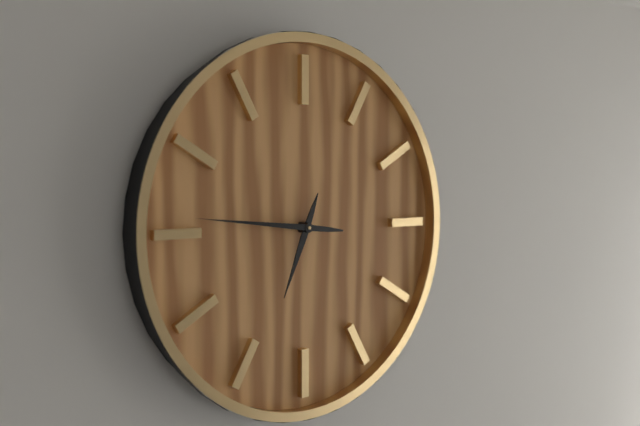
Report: 6 h 46 min
